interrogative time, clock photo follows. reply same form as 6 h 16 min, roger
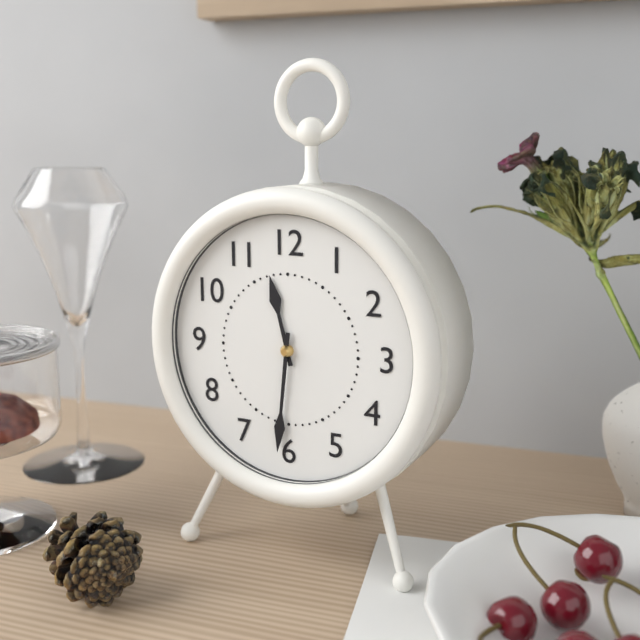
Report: 11 h 31 min
